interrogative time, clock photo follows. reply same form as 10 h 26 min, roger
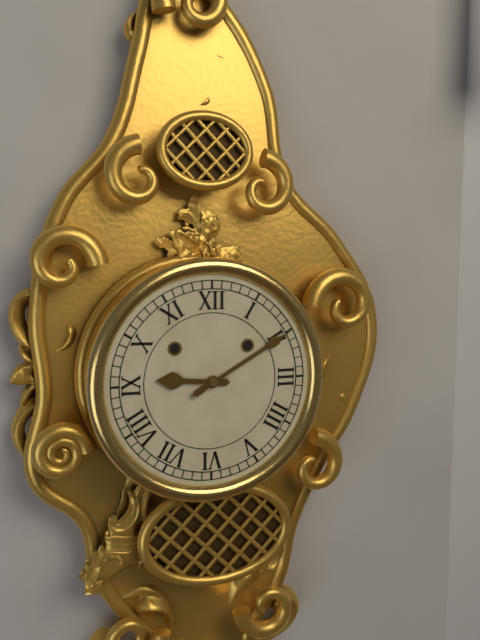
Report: 9 h 10 min
